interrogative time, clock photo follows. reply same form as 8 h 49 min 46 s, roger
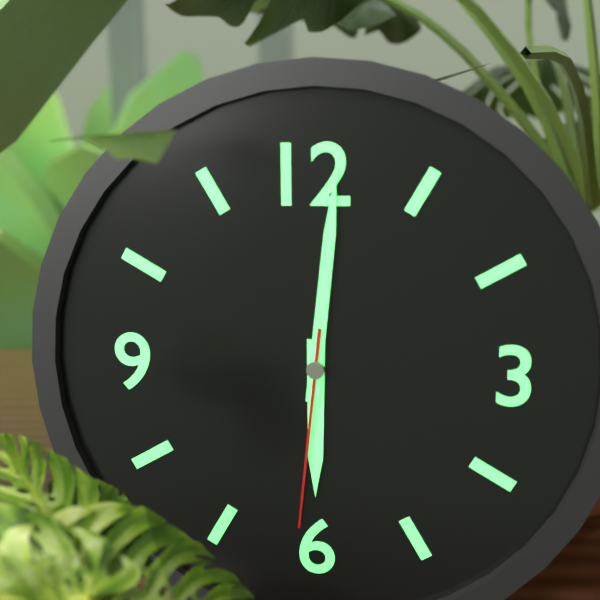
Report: 6 h 01 min 31 s
